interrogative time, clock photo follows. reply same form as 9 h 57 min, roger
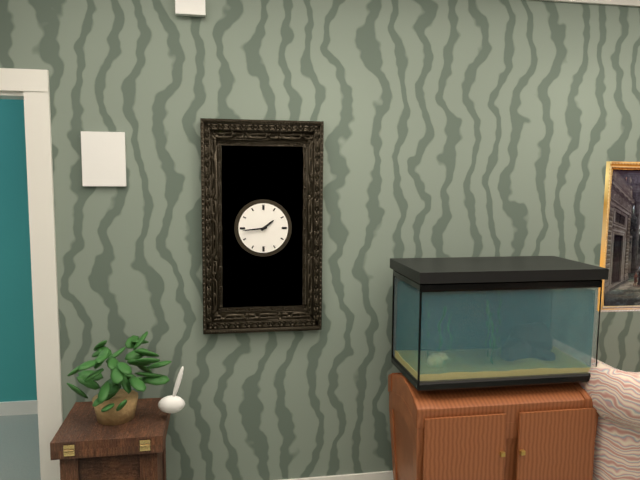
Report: 1 h 44 min
